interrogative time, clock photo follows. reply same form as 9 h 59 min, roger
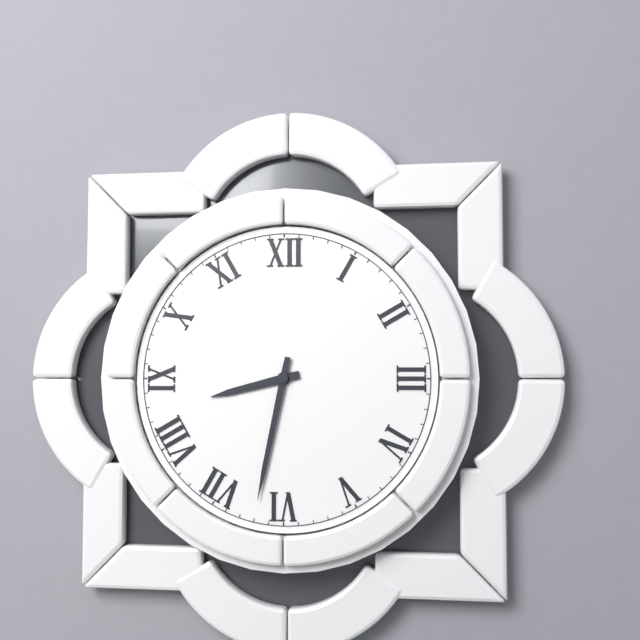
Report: 8 h 32 min
